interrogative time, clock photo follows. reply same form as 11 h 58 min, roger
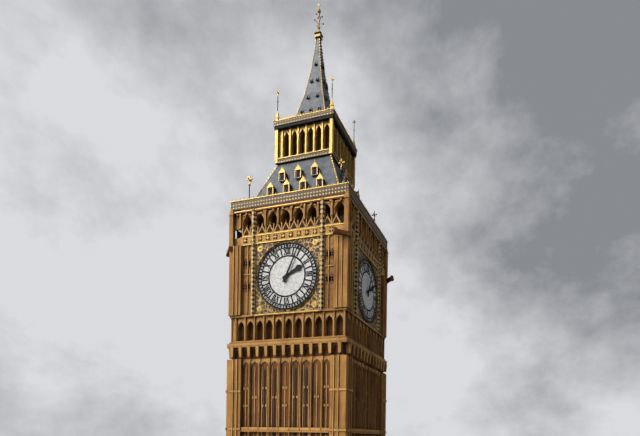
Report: 2 h 04 min
